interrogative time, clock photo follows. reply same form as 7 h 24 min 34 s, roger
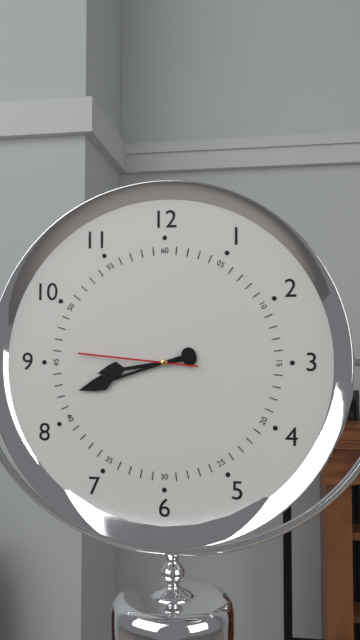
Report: 8 h 42 min 46 s
